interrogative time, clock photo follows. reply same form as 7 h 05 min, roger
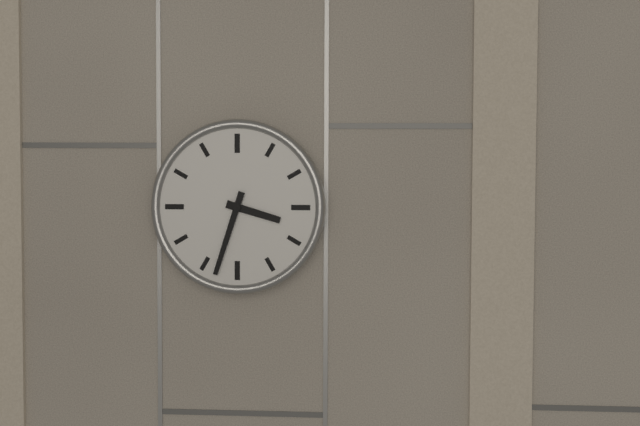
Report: 3 h 33 min
